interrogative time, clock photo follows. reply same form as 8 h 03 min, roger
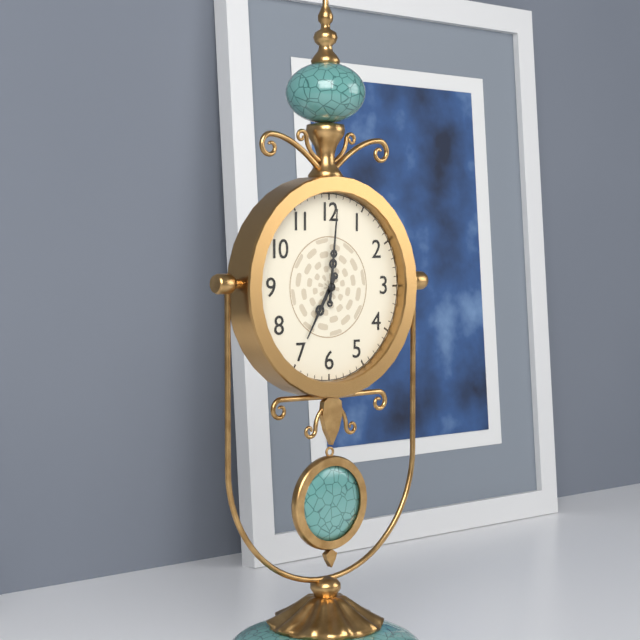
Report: 7 h 01 min
